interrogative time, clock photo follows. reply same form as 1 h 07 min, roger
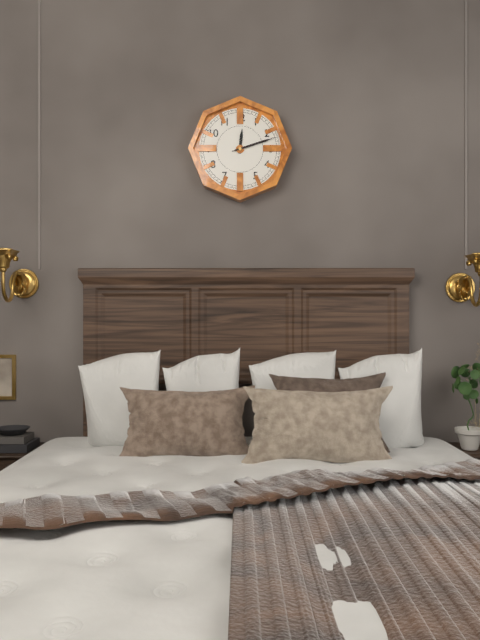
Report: 12 h 12 min
